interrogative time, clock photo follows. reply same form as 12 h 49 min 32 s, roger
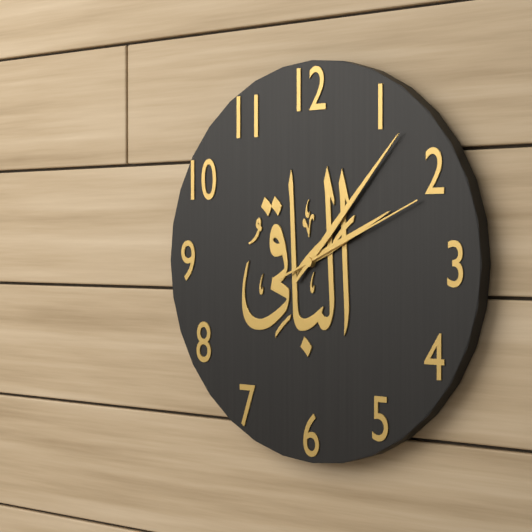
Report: 2 h 07 min 11 s
